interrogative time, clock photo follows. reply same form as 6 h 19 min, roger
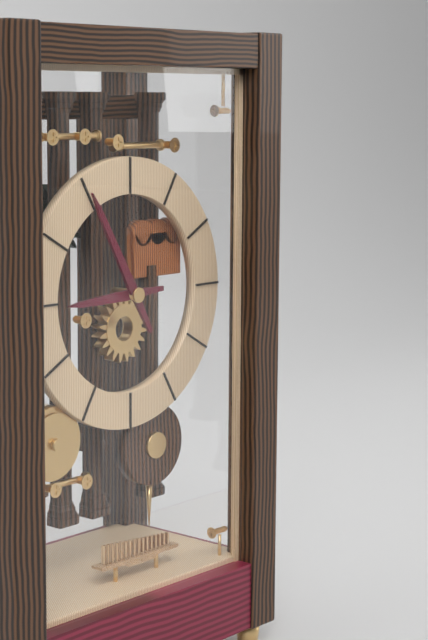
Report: 8 h 55 min
